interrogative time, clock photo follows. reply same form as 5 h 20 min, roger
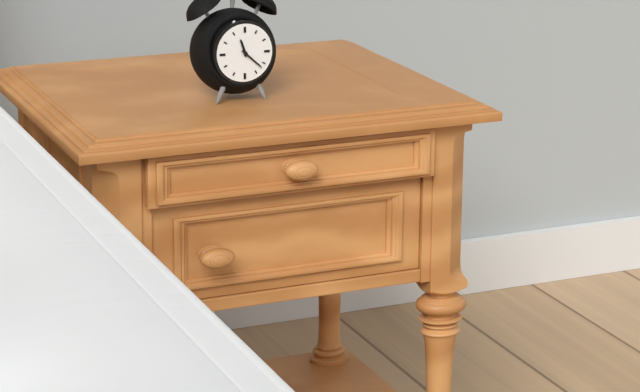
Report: 11 h 22 min
